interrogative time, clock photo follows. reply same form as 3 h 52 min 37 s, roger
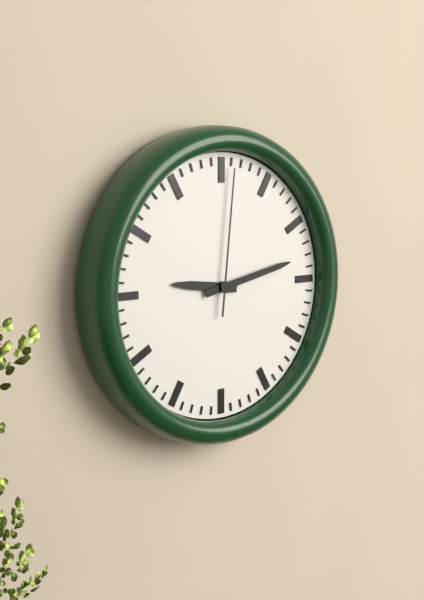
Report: 9 h 13 min 01 s
